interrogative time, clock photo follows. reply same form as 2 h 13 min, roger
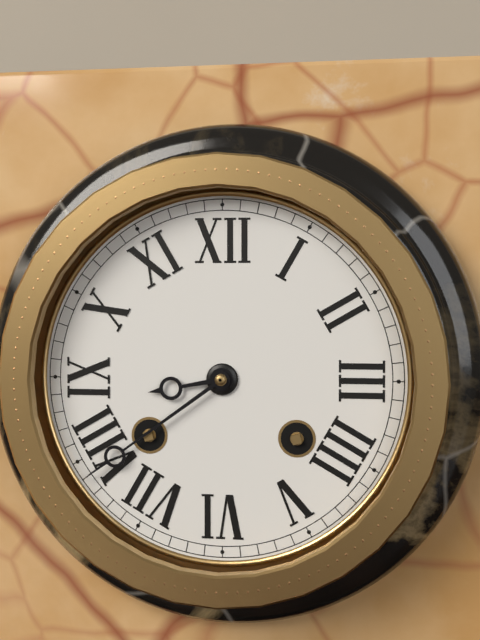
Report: 8 h 39 min
